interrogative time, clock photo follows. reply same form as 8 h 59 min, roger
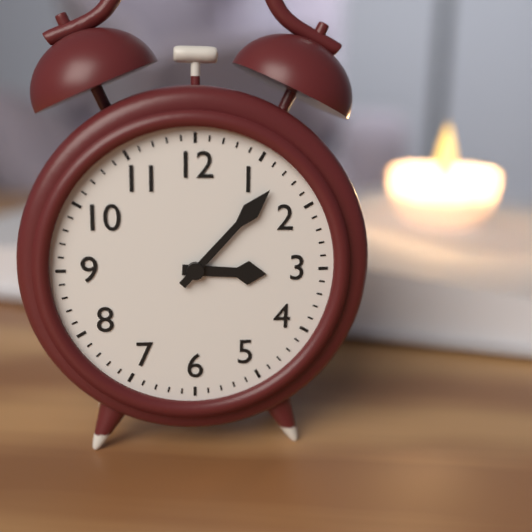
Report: 3 h 07 min
